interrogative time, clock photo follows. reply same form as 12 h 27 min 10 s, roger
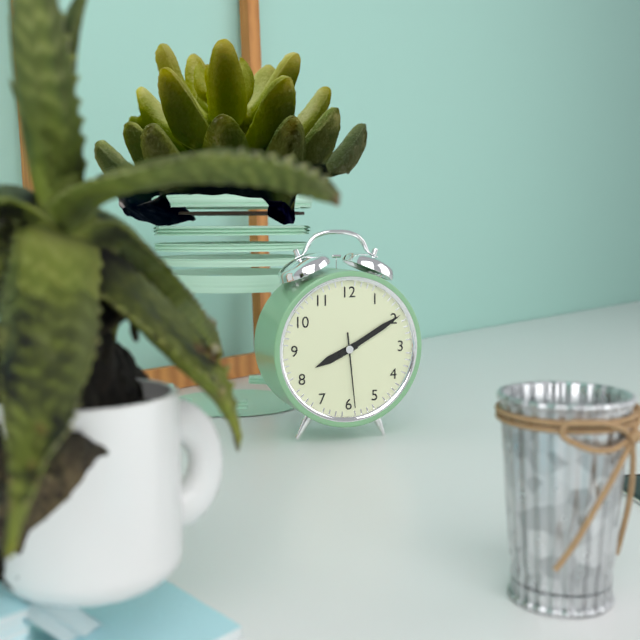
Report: 8 h 10 min 29 s
